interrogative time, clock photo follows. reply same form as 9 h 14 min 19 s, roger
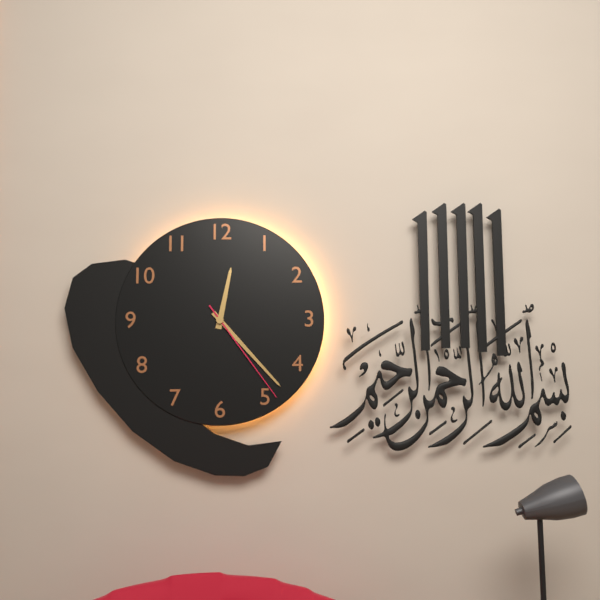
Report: 12 h 23 min 24 s
